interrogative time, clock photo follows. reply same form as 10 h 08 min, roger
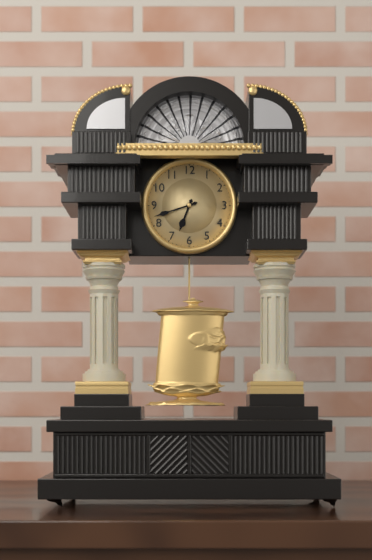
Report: 6 h 42 min
